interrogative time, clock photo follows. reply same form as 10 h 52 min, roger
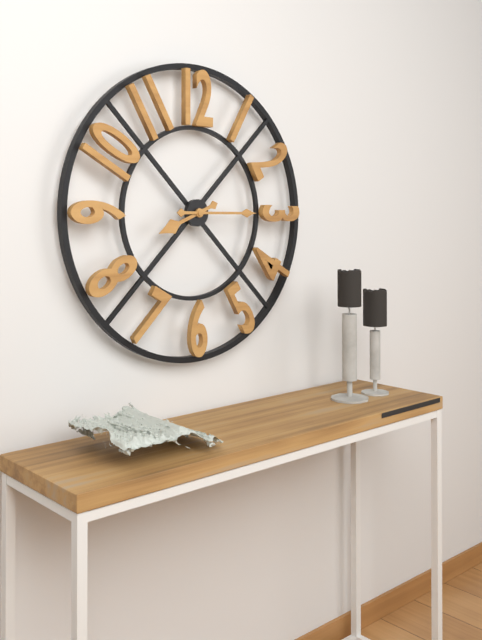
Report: 8 h 15 min
